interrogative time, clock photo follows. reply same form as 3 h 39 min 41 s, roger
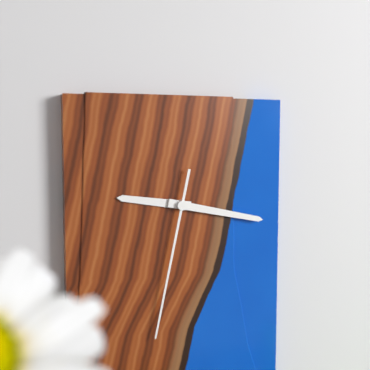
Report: 9 h 17 min 32 s
